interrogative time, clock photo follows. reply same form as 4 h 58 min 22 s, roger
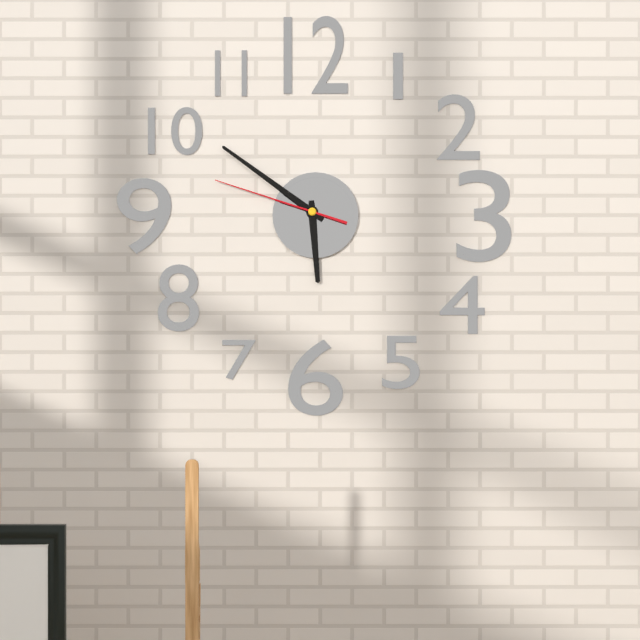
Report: 5 h 51 min 48 s
